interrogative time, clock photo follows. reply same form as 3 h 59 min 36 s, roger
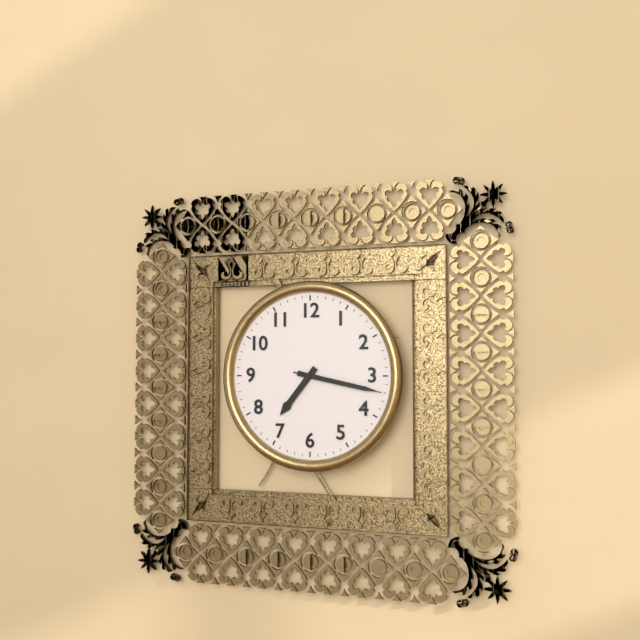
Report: 7 h 17 min 17 s
